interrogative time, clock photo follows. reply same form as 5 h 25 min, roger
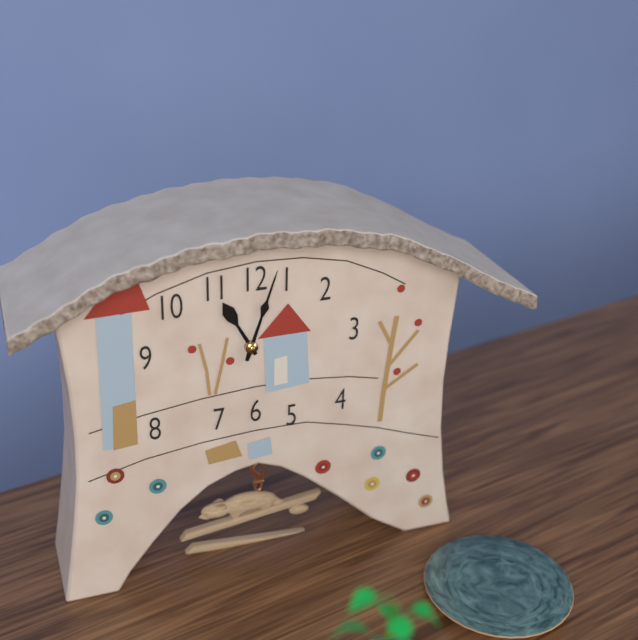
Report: 11 h 03 min
